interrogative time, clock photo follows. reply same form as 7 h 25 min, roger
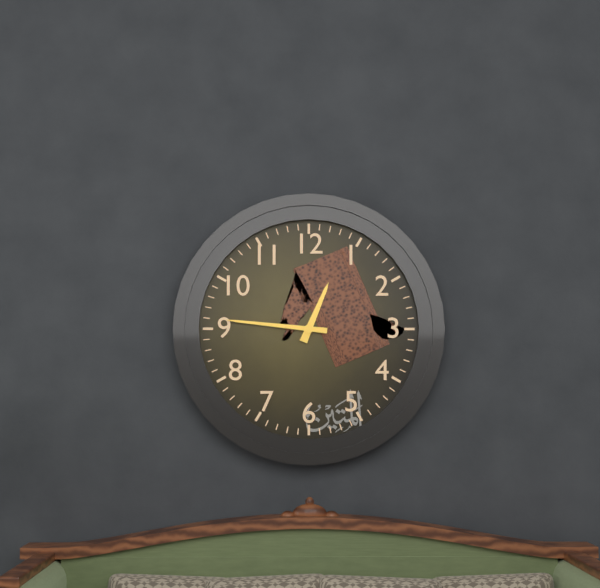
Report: 12 h 46 min
